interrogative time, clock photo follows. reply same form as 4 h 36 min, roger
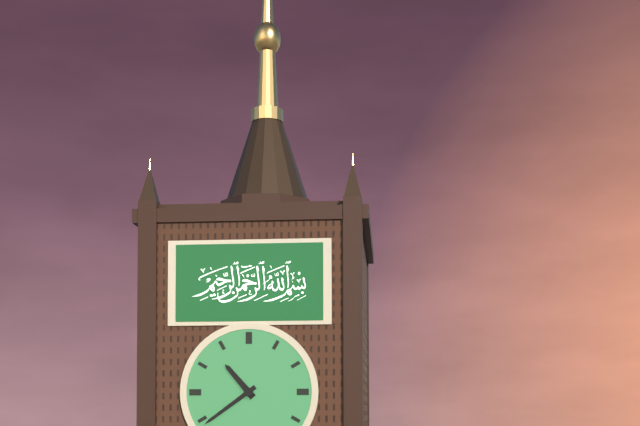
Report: 10 h 39 min
